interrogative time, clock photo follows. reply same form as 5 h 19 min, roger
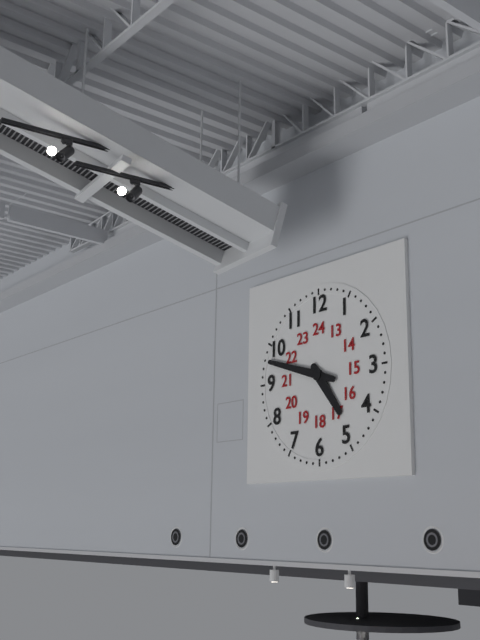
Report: 4 h 48 min
